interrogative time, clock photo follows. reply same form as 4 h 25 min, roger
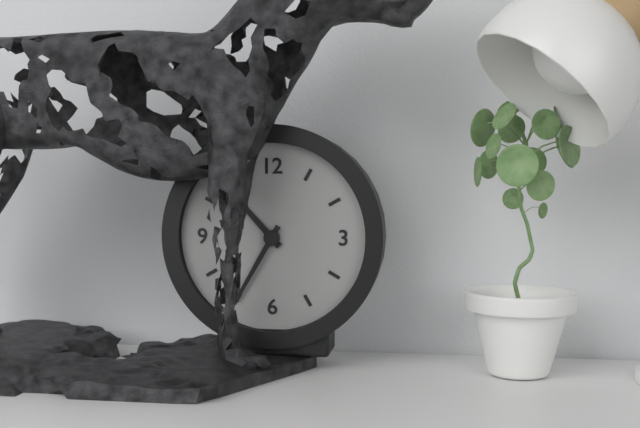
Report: 10 h 35 min
